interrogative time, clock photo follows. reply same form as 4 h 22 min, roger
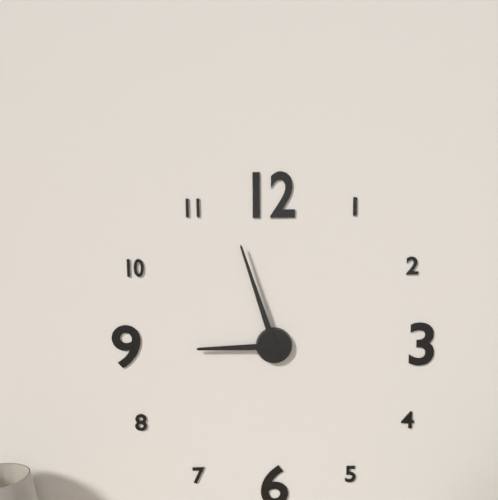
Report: 8 h 57 min
